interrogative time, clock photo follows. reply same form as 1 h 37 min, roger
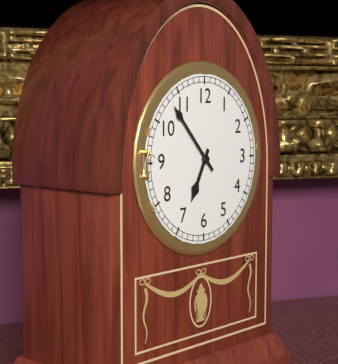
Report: 6 h 53 min
